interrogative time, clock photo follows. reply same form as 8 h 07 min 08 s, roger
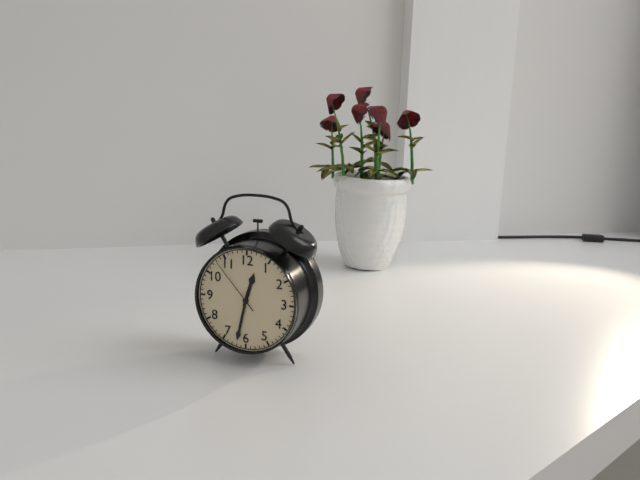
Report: 12 h 32 min 53 s
